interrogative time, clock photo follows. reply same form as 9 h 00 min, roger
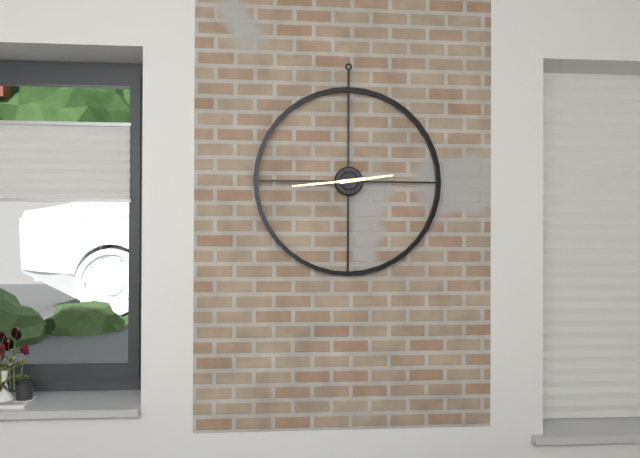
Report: 2 h 44 min
